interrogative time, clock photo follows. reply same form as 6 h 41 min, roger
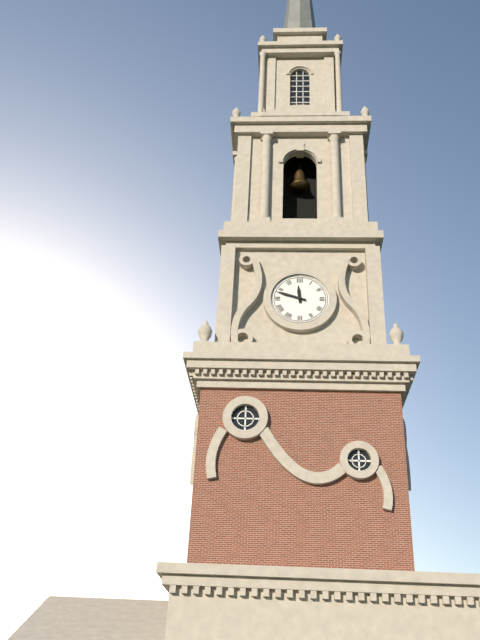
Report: 11 h 48 min
